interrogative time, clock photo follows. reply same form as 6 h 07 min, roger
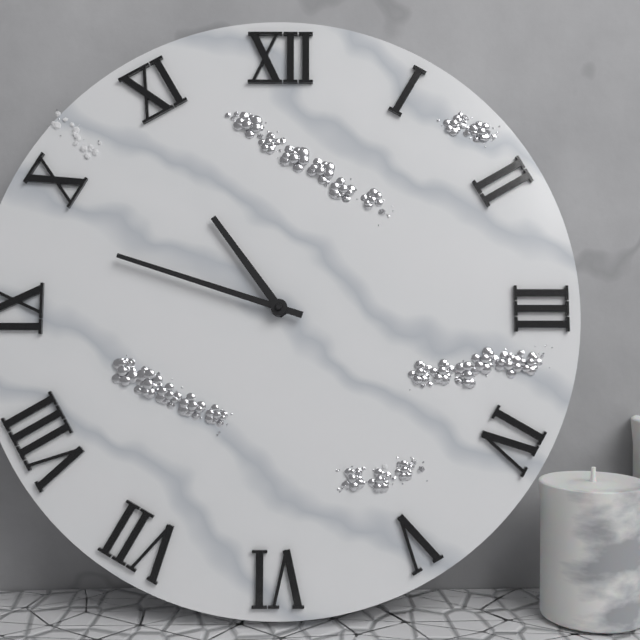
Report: 10 h 48 min
